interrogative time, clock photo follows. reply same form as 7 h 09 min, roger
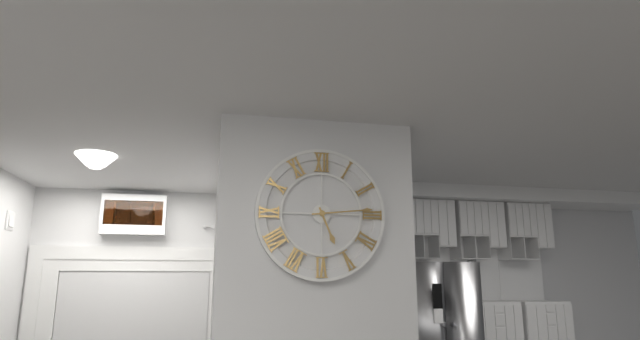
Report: 5 h 14 min
